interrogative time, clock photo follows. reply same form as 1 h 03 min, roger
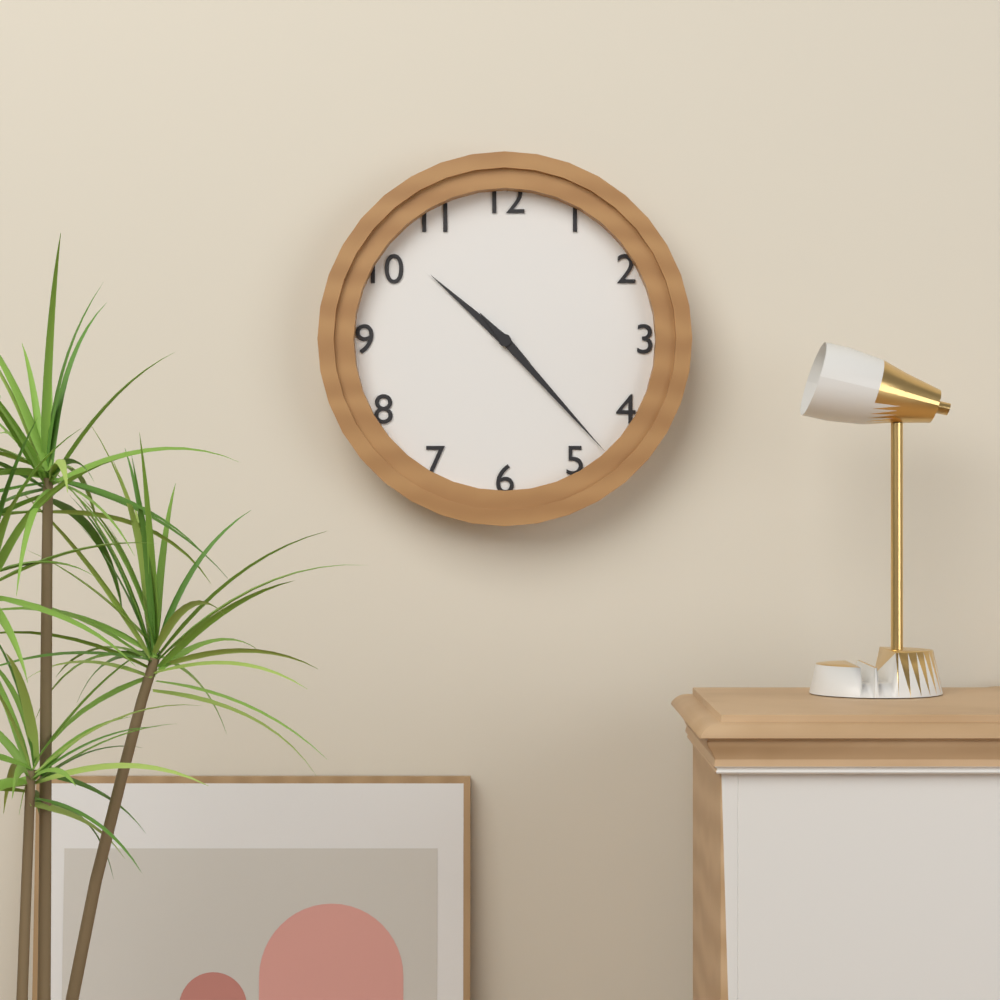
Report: 10 h 23 min
